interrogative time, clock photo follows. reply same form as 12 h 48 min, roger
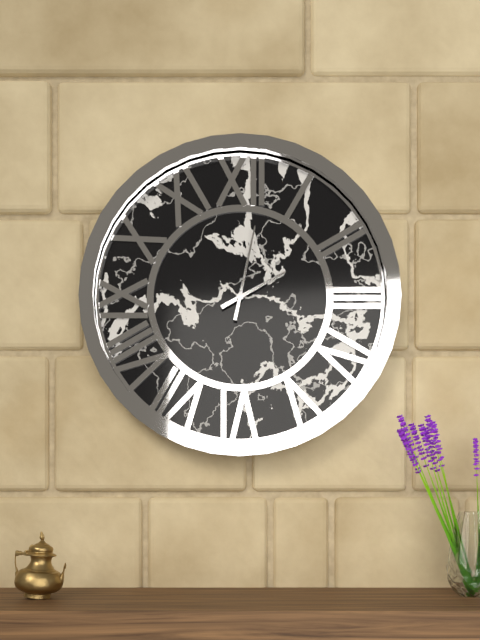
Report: 2 h 02 min
